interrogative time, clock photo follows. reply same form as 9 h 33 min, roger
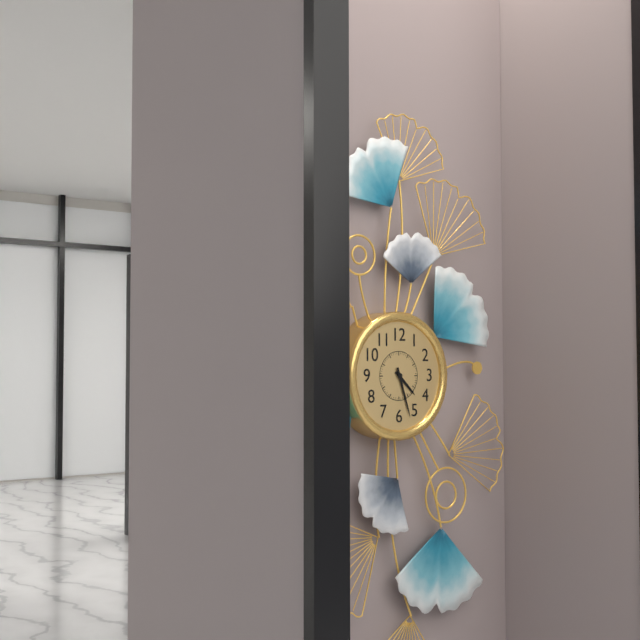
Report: 4 h 27 min
